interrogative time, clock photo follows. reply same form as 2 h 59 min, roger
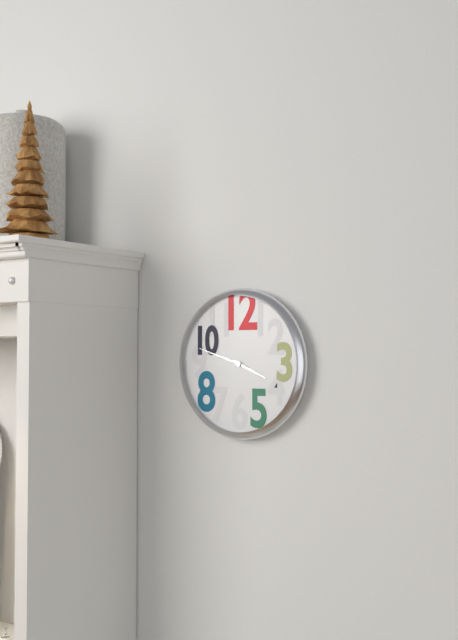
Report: 3 h 48 min
